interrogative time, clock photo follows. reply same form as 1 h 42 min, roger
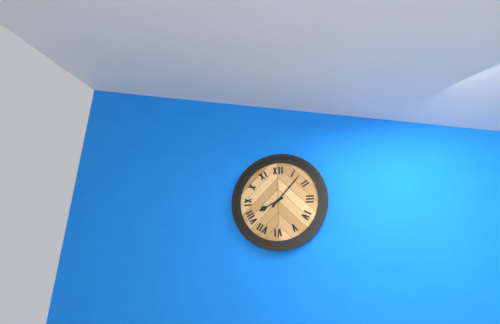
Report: 8 h 07 min
